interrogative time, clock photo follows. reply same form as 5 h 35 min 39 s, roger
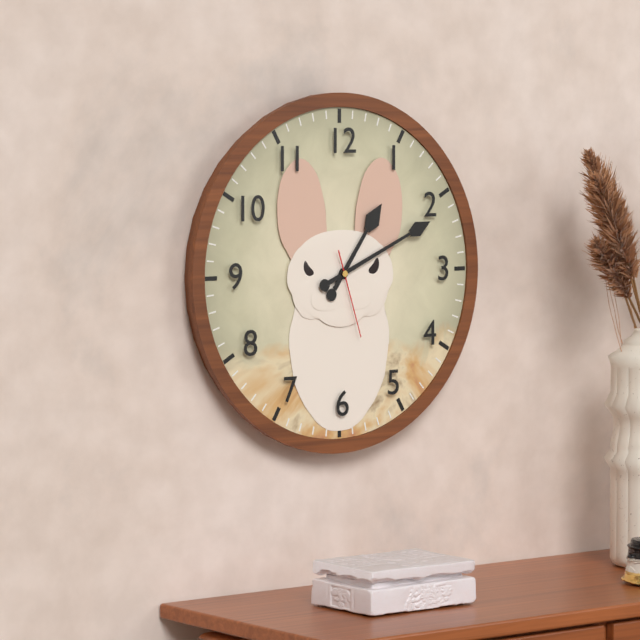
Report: 1 h 11 min 27 s
